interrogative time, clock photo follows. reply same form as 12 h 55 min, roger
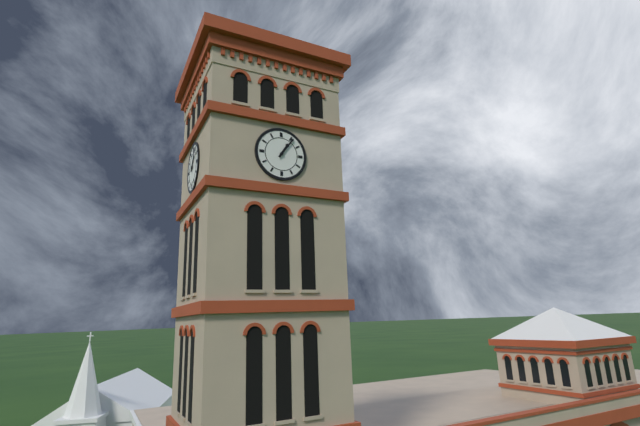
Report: 1 h 06 min
